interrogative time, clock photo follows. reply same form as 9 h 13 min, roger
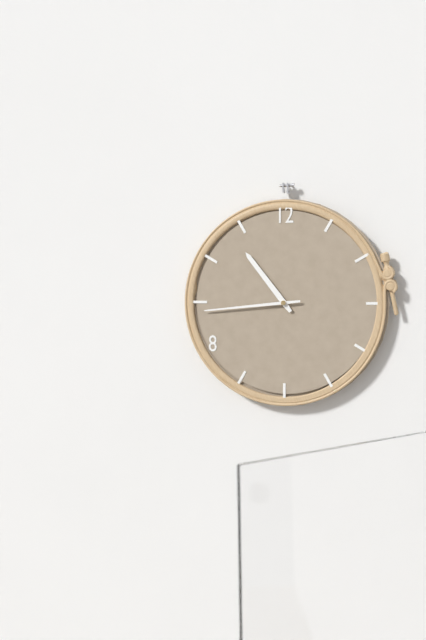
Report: 10 h 44 min
